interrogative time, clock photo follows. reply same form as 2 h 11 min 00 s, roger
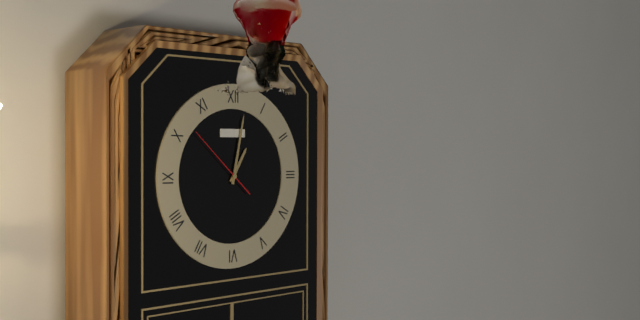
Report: 1 h 02 min 52 s
